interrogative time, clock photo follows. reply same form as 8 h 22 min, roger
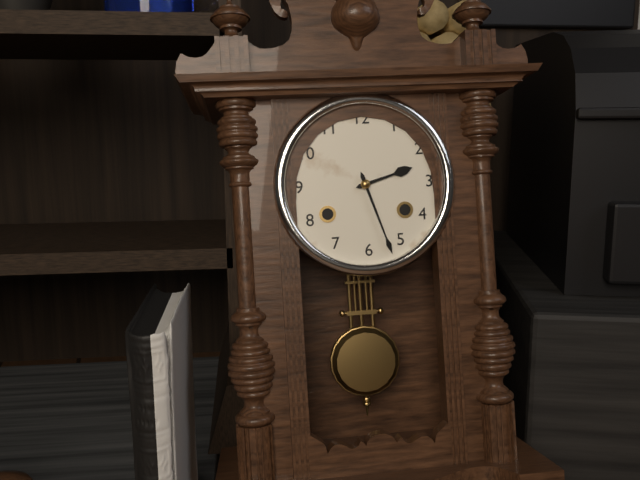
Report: 2 h 27 min
